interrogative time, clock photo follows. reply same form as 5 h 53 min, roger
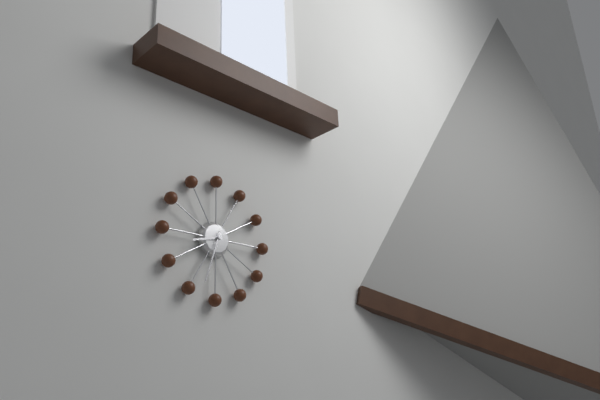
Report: 8 h 33 min
